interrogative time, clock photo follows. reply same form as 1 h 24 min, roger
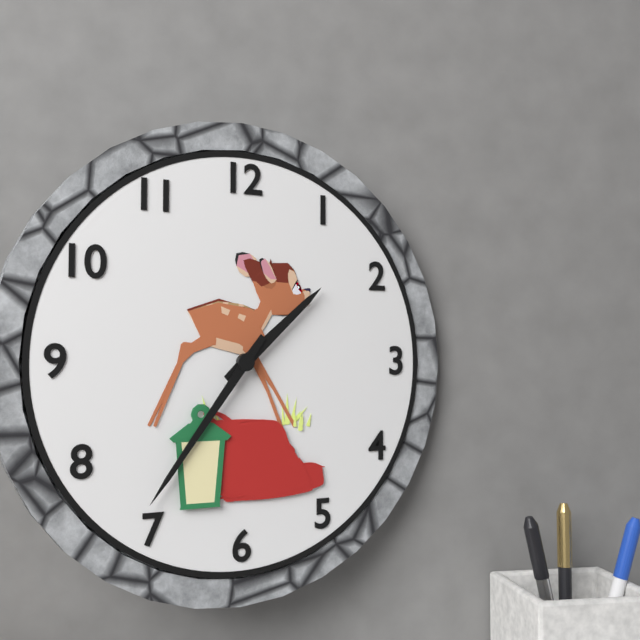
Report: 1 h 36 min
